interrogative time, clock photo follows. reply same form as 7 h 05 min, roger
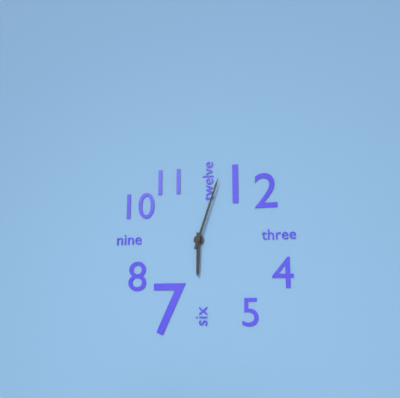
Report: 6 h 03 min
